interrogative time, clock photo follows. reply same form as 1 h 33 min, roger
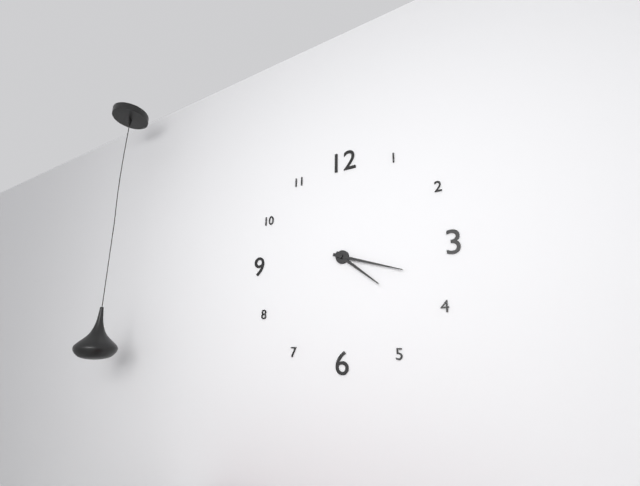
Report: 4 h 18 min
